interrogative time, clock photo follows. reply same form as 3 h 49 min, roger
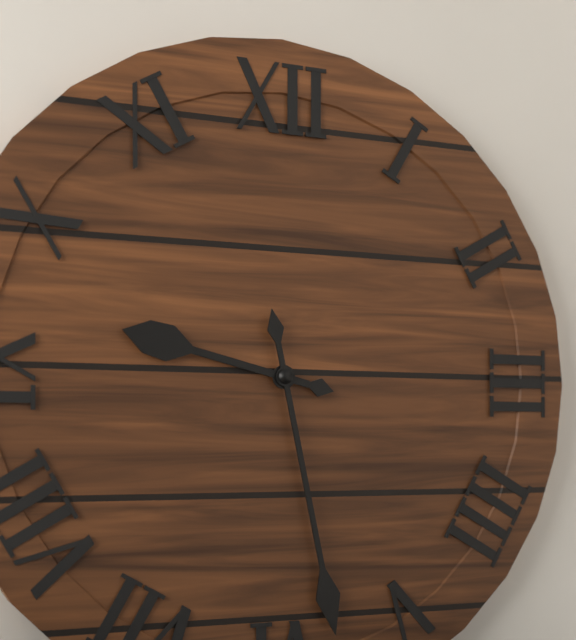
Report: 9 h 28 min
